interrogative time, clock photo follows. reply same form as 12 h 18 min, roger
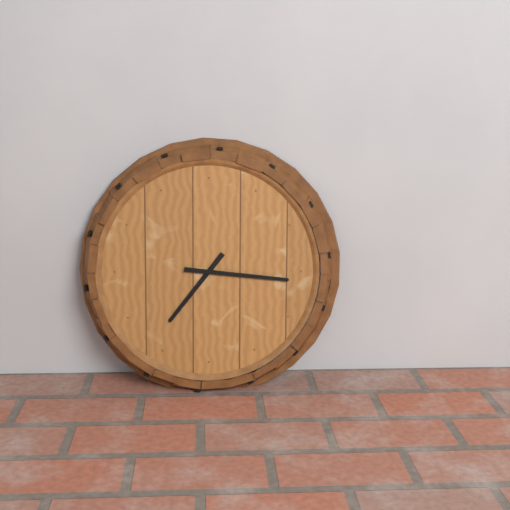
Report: 7 h 16 min
